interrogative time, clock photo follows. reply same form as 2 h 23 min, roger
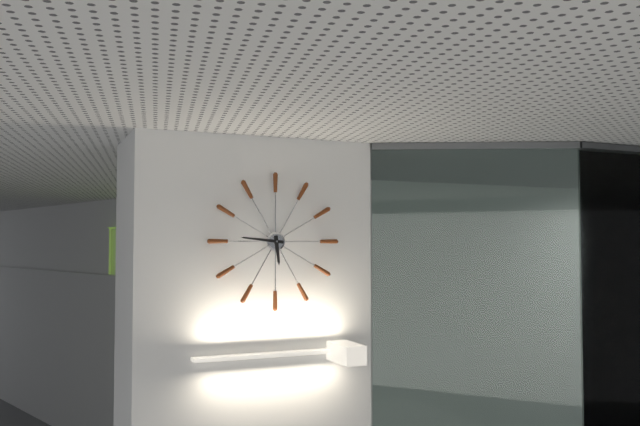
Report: 5 h 46 min
